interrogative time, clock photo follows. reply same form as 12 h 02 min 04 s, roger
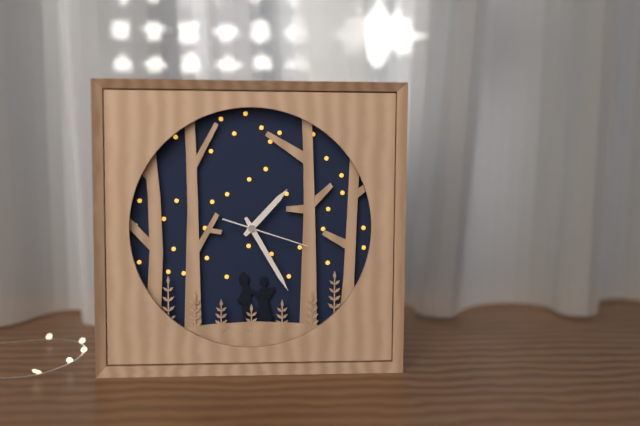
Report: 1 h 25 min 18 s
